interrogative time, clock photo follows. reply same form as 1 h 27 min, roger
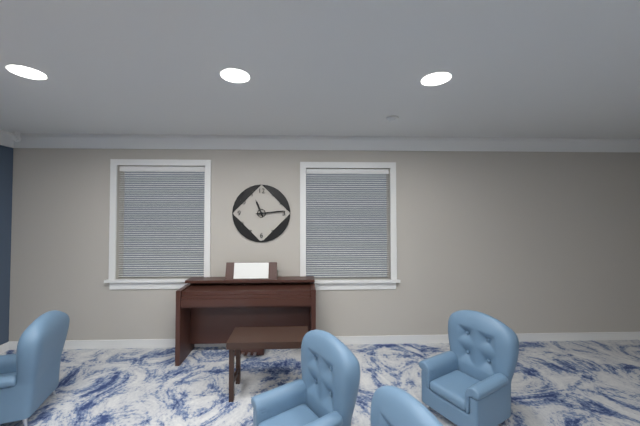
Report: 11 h 14 min
